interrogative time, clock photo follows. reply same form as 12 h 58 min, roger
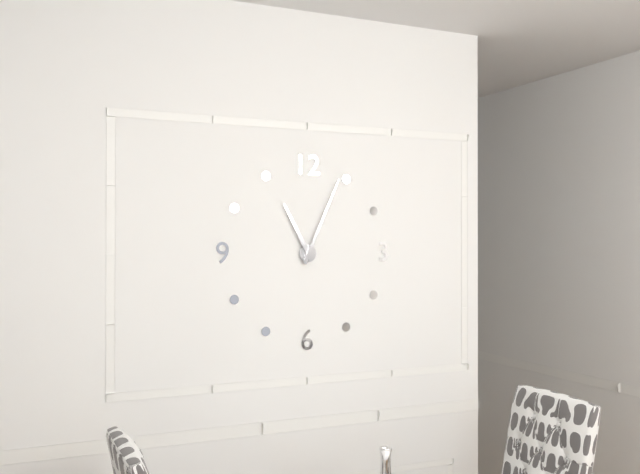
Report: 11 h 04 min
